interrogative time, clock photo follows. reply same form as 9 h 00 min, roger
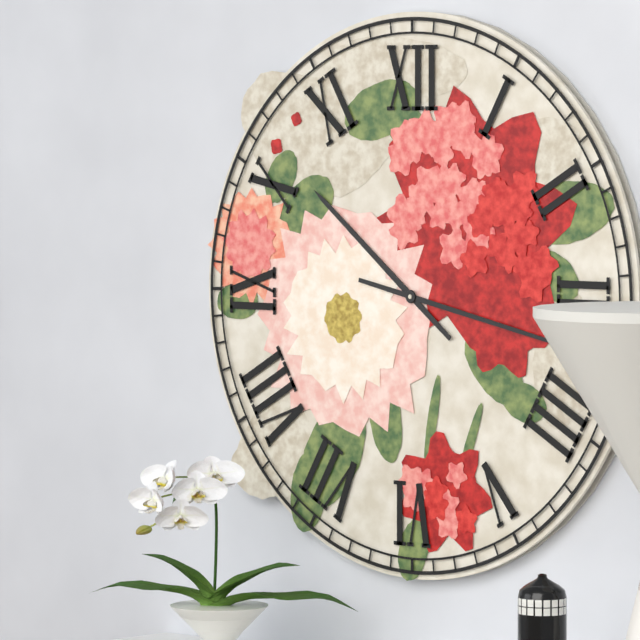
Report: 10 h 17 min
